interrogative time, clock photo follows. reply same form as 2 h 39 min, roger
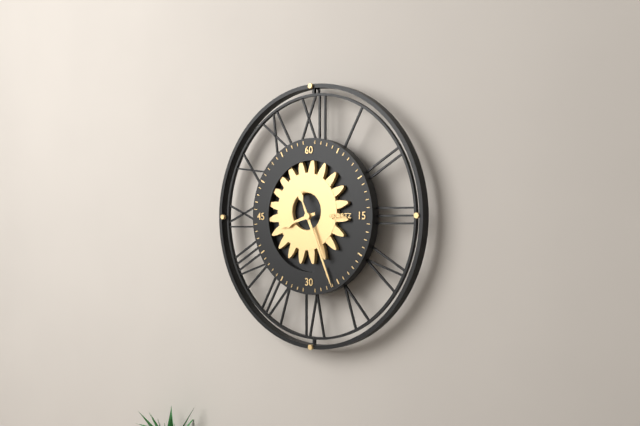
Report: 8 h 26 min
